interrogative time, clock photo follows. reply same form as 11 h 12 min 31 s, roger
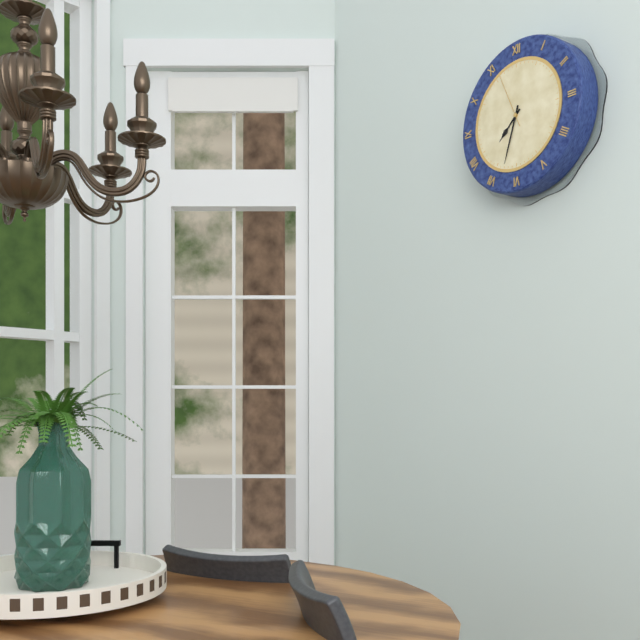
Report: 7 h 33 min 56 s
